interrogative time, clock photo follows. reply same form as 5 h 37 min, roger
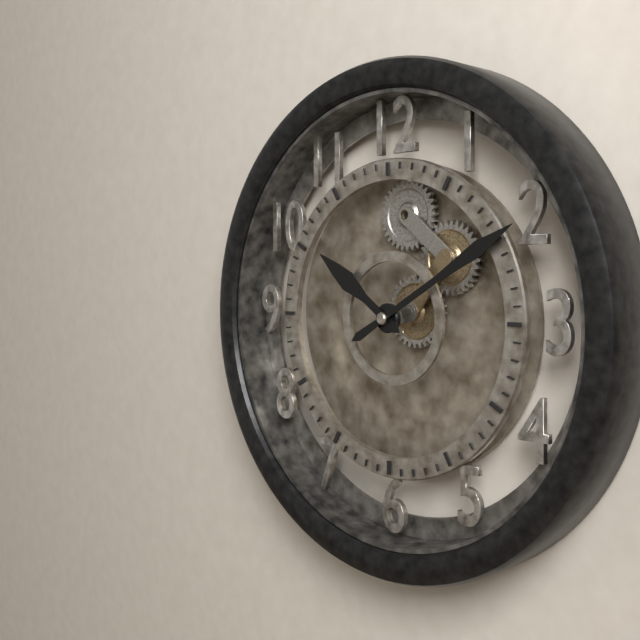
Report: 10 h 10 min
